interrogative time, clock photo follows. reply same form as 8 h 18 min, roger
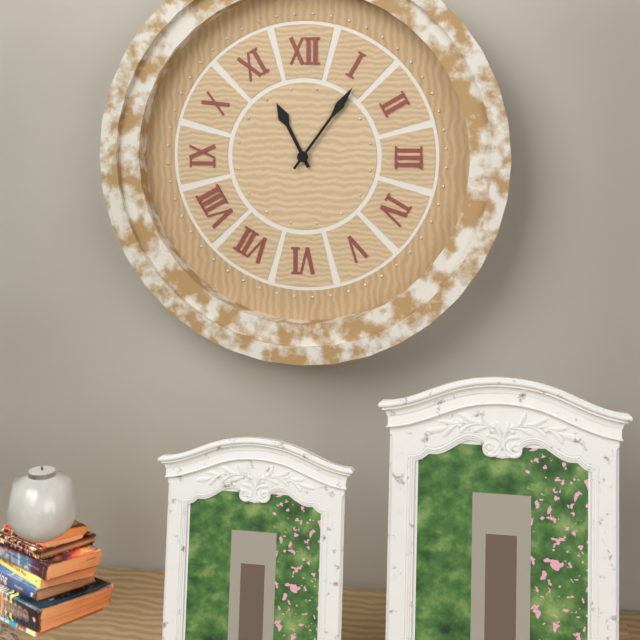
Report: 11 h 06 min
